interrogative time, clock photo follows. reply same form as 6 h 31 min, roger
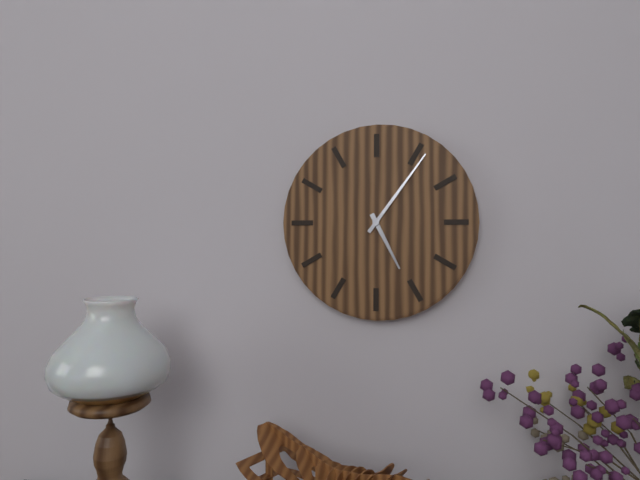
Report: 5 h 06 min
